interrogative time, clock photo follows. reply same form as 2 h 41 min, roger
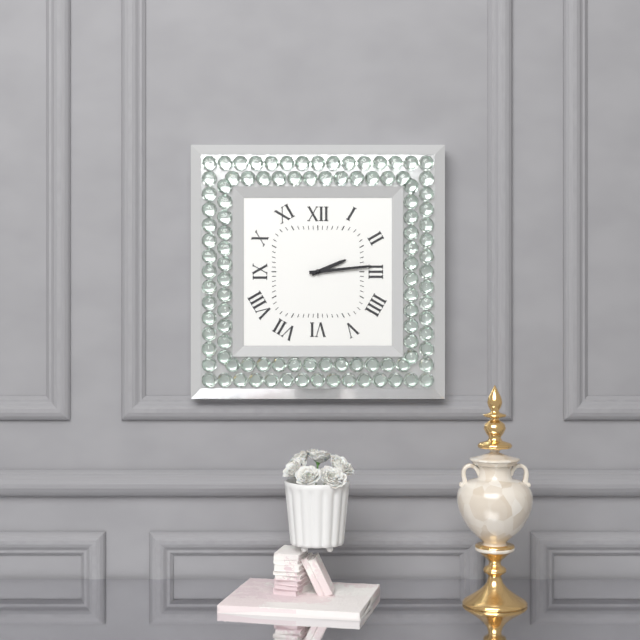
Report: 2 h 14 min
